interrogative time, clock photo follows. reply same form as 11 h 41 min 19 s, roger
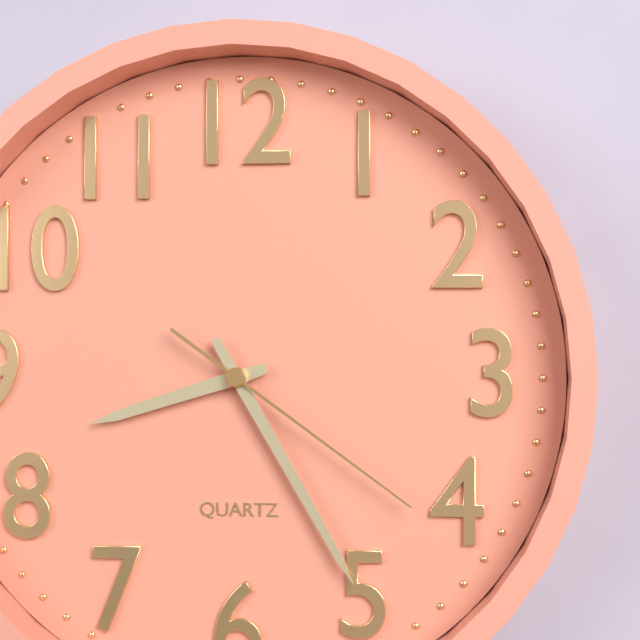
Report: 8 h 25 min 21 s
